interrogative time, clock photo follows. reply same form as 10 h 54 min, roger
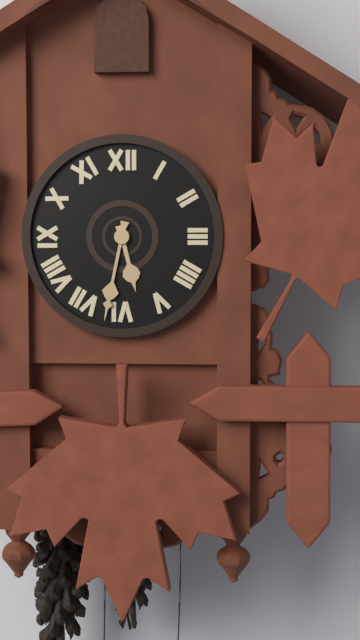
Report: 5 h 32 min
